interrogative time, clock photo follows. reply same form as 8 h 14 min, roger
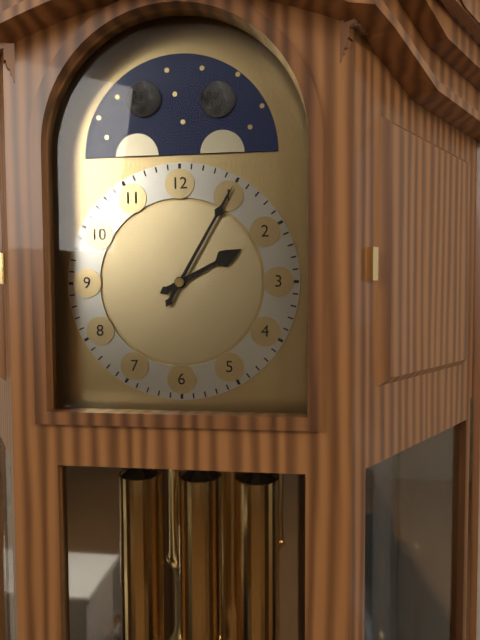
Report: 2 h 05 min
